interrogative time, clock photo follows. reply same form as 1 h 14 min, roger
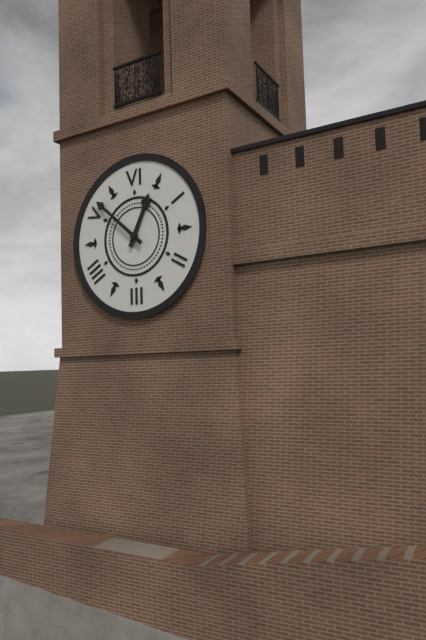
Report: 12 h 52 min
